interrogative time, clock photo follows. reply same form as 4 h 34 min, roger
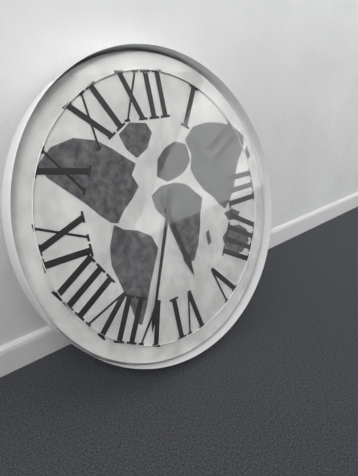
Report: 5 h 34 min
